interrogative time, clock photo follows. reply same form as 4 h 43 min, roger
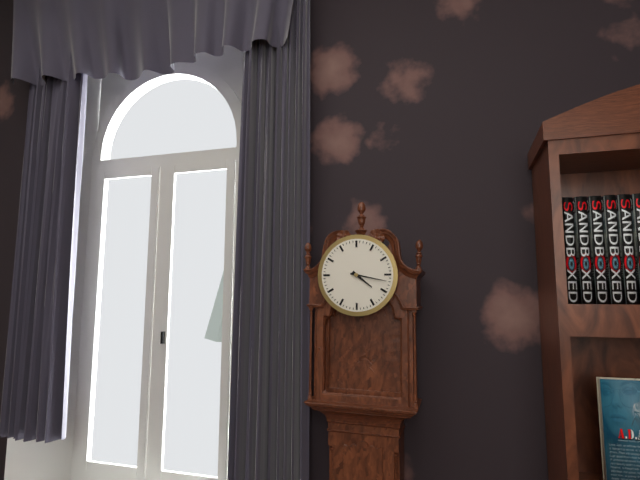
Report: 4 h 17 min
